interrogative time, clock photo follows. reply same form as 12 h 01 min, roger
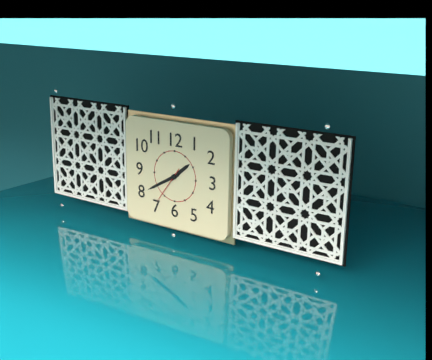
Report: 1 h 40 min
